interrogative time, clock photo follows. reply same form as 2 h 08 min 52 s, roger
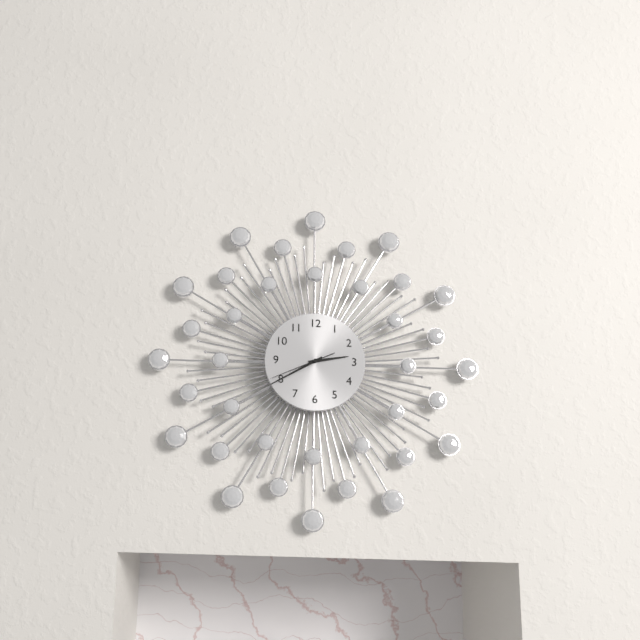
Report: 2 h 40 min 41 s
